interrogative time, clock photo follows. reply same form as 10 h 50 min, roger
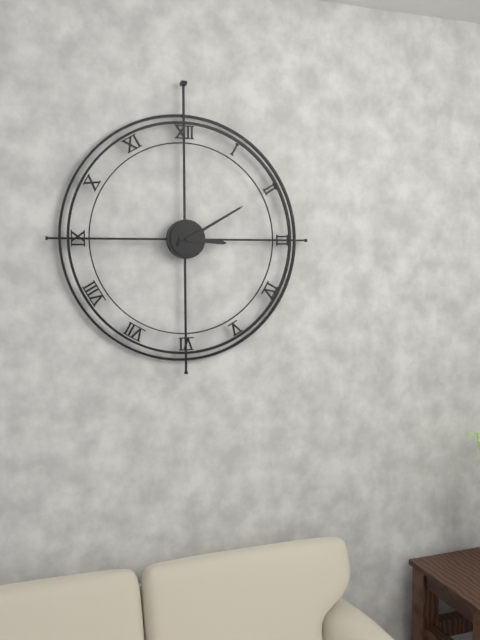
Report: 3 h 10 min
